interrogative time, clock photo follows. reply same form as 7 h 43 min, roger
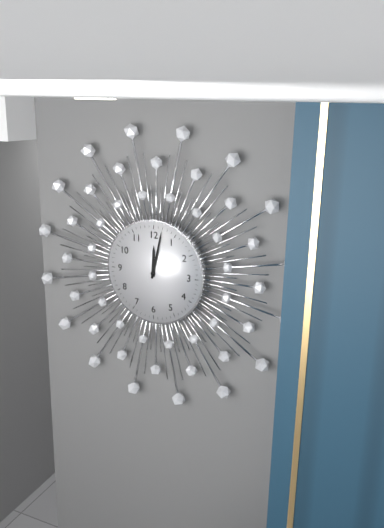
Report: 12 h 02 min
